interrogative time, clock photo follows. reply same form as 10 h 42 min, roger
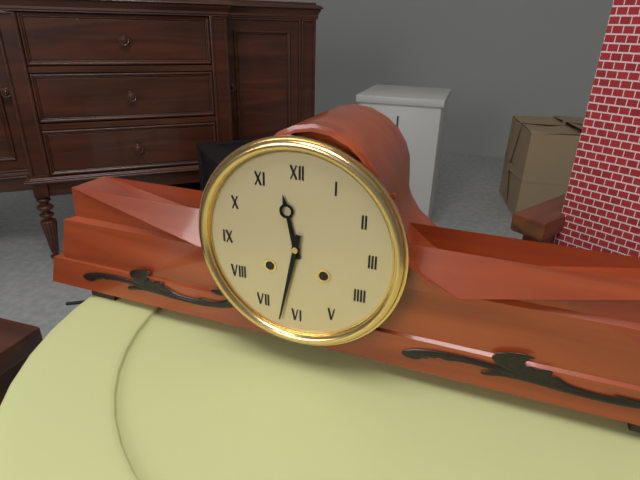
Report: 11 h 32 min
